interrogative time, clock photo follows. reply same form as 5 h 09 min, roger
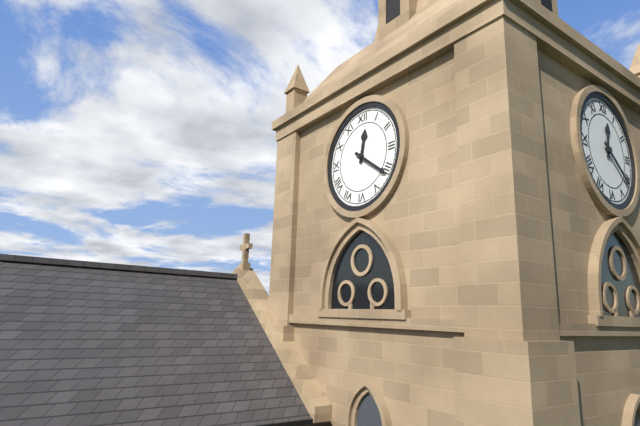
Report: 12 h 21 min
